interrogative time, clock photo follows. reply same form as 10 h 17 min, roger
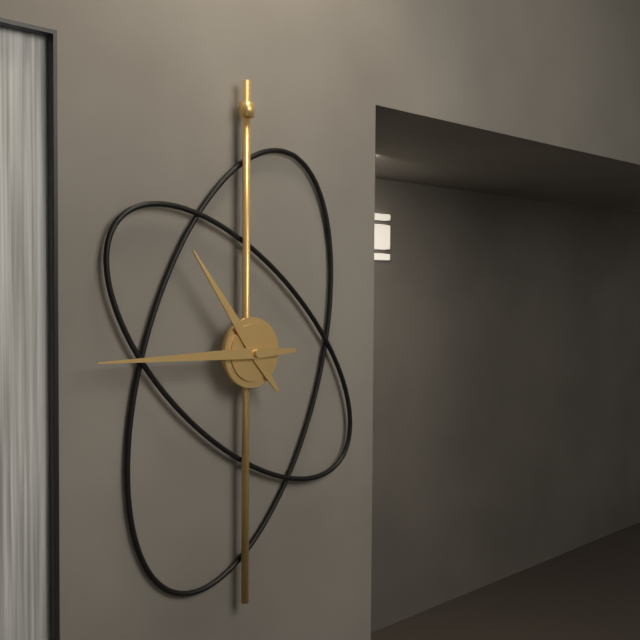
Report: 10 h 45 min
